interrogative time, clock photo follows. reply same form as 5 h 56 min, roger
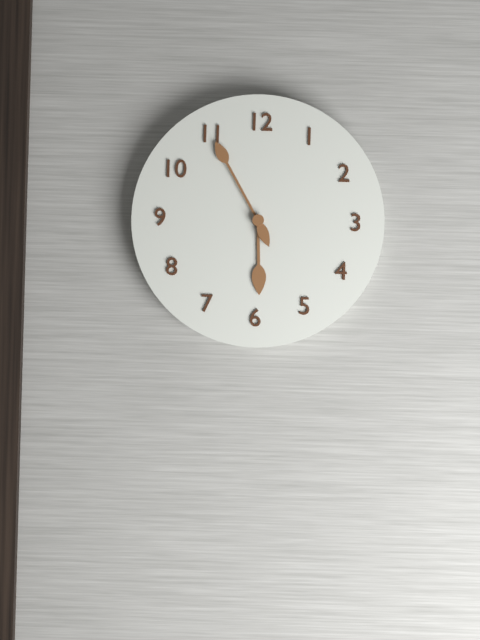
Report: 5 h 55 min
